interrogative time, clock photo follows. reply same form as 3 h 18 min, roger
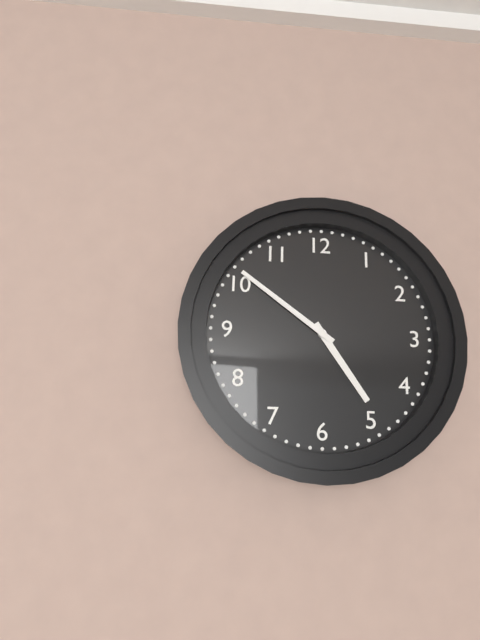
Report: 4 h 51 min
